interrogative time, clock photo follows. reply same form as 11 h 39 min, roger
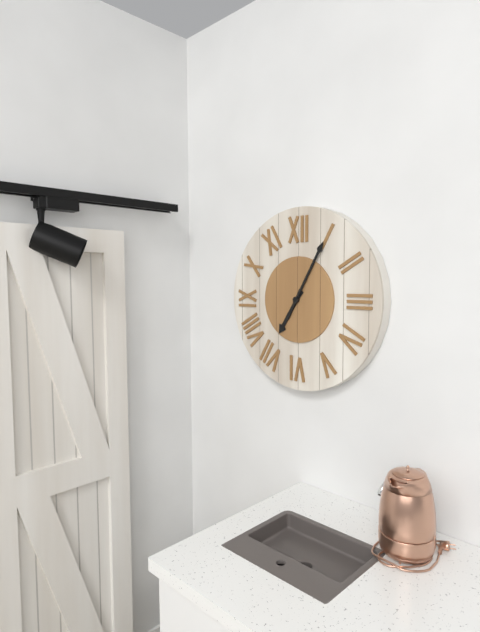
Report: 7 h 05 min
